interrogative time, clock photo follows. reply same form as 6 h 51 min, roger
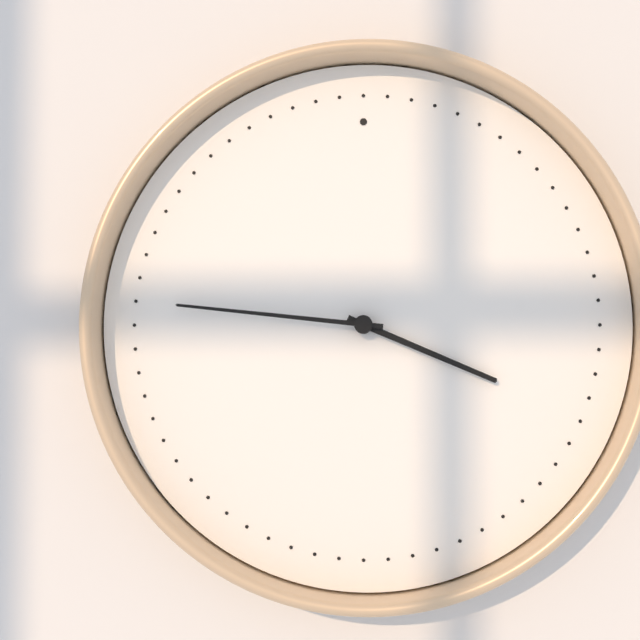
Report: 3 h 46 min
